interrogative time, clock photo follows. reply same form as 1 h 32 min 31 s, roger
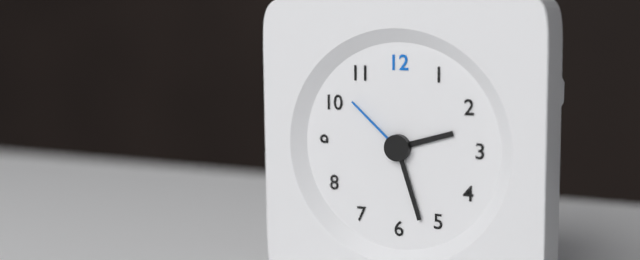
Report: 2 h 27 min 52 s
